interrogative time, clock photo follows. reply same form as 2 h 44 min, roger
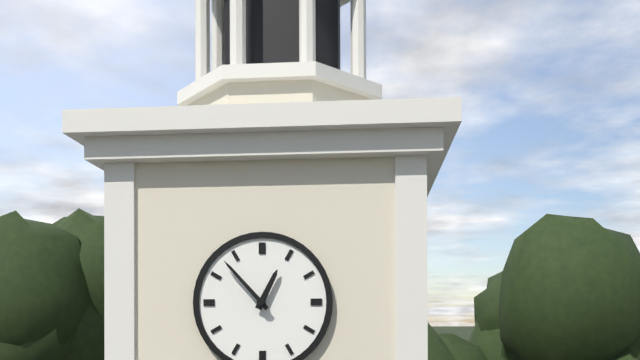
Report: 12 h 53 min
